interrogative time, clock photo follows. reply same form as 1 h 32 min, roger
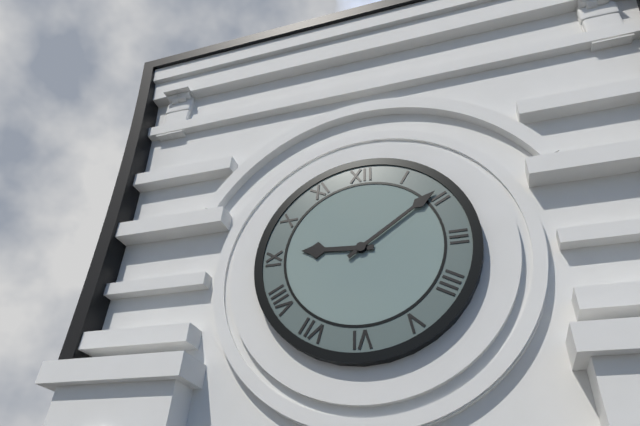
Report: 9 h 09 min
